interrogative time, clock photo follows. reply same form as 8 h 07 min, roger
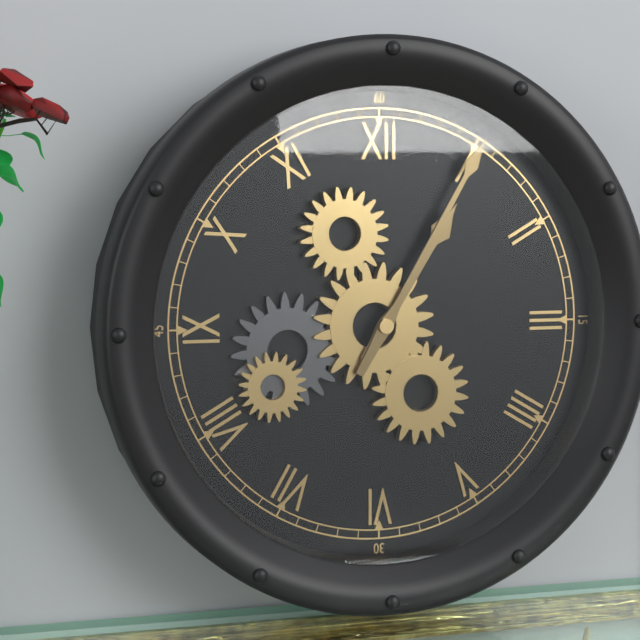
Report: 1 h 05 min
